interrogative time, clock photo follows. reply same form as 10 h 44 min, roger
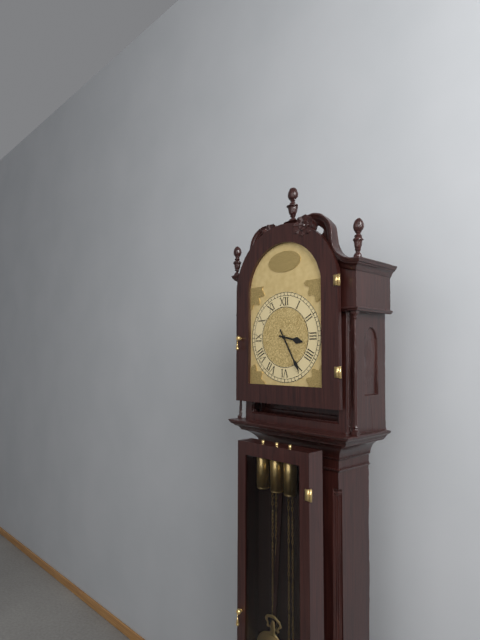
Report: 3 h 25 min
